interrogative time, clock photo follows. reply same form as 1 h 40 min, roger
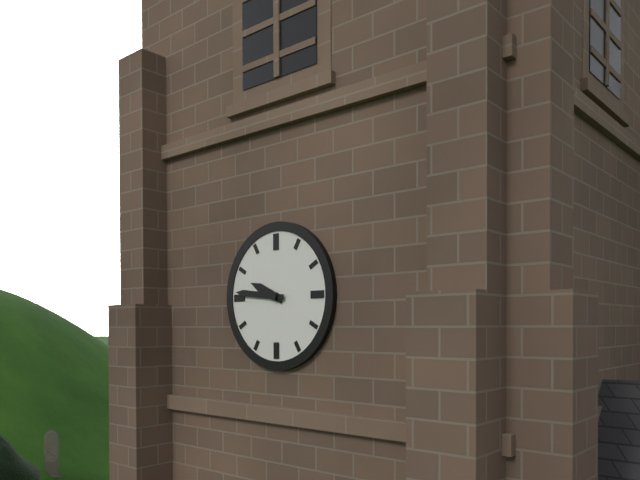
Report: 9 h 46 min
